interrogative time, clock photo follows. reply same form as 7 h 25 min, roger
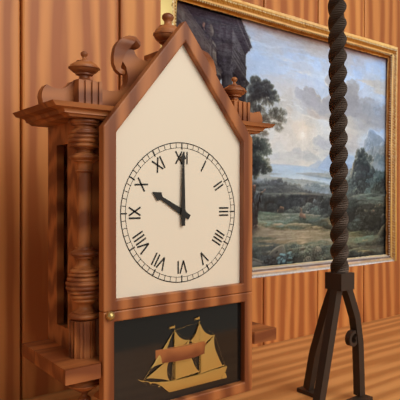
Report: 10 h 00 min
